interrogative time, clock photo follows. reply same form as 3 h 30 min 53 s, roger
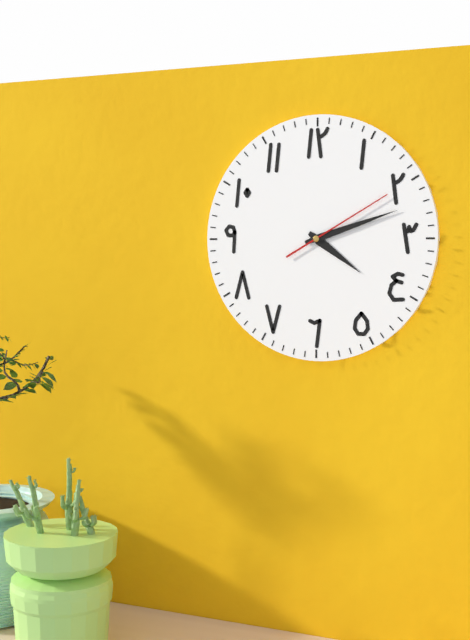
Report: 4 h 12 min 10 s
